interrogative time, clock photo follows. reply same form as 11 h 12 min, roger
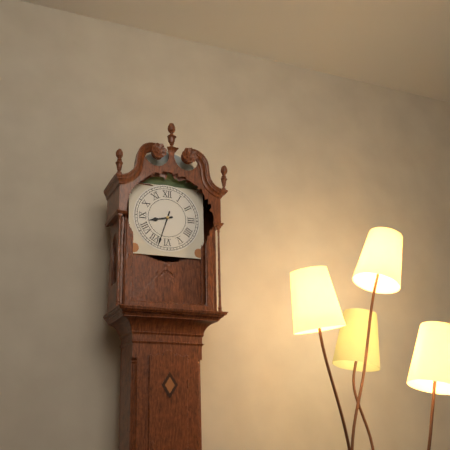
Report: 8 h 33 min
